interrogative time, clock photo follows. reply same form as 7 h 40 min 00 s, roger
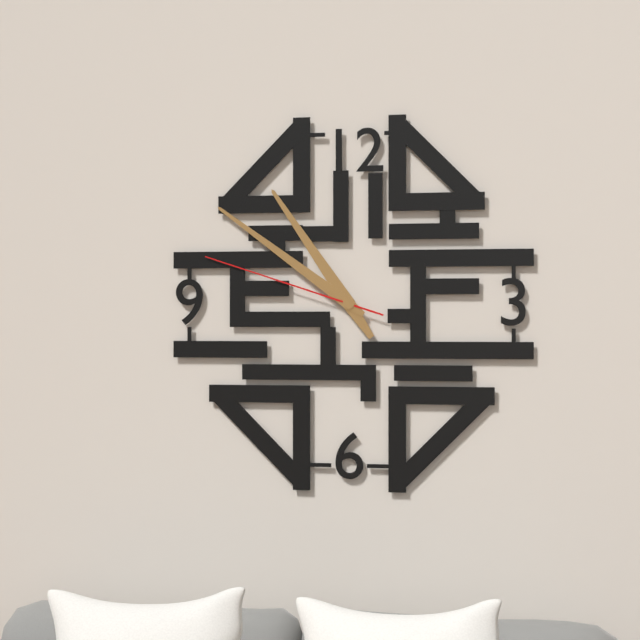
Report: 10 h 51 min 48 s
